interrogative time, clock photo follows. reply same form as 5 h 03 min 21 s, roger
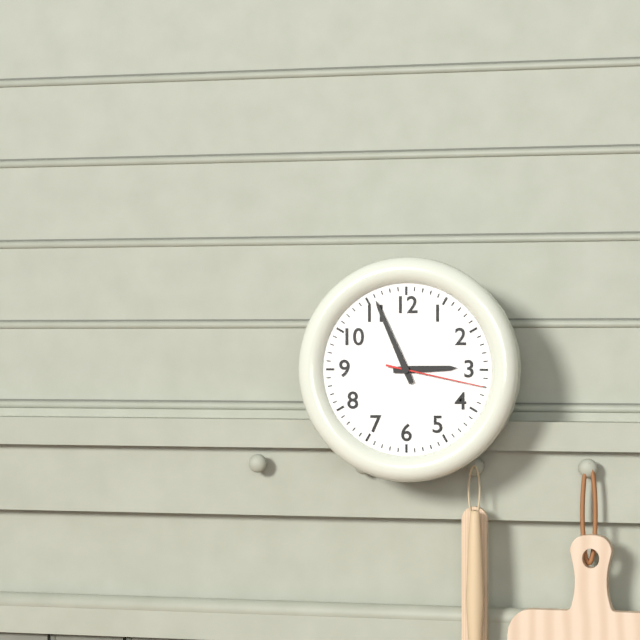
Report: 2 h 56 min 17 s
